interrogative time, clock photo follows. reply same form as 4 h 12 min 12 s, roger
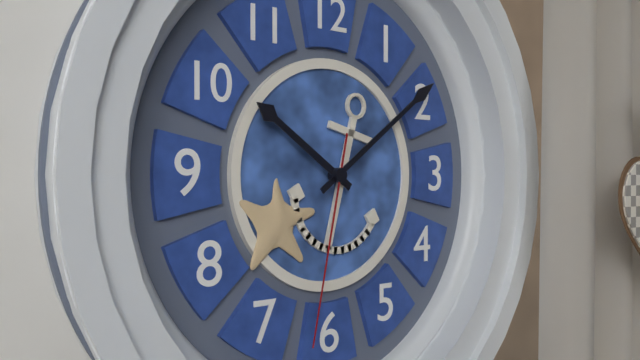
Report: 10 h 09 min 32 s
